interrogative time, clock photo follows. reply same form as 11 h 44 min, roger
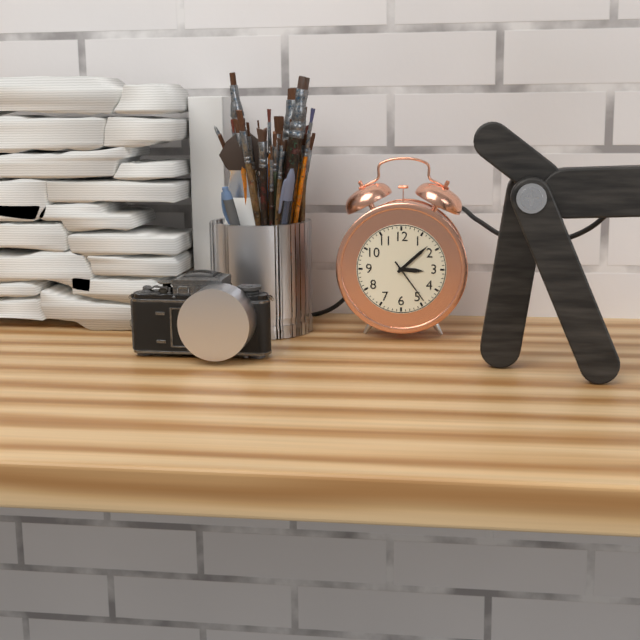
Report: 3 h 08 min
